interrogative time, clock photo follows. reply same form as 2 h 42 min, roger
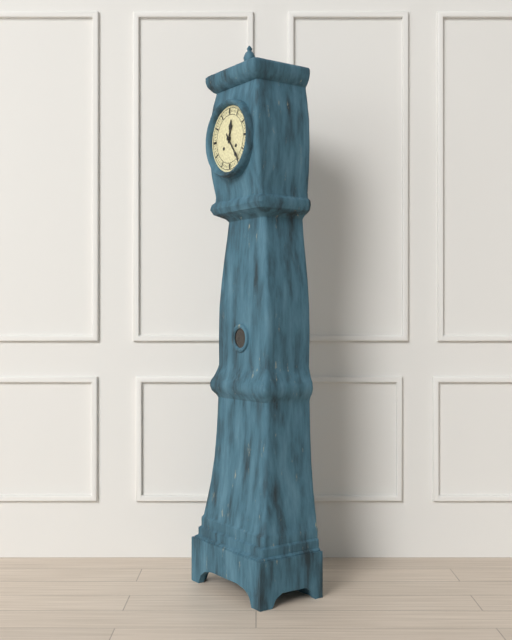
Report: 12 h 24 min
